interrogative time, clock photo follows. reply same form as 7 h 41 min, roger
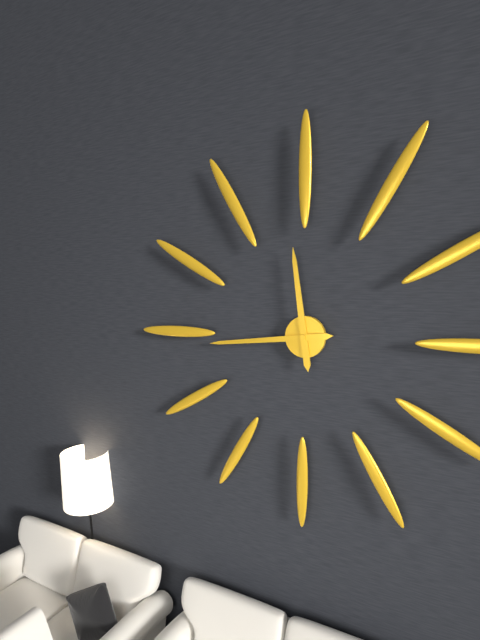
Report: 11 h 44 min
